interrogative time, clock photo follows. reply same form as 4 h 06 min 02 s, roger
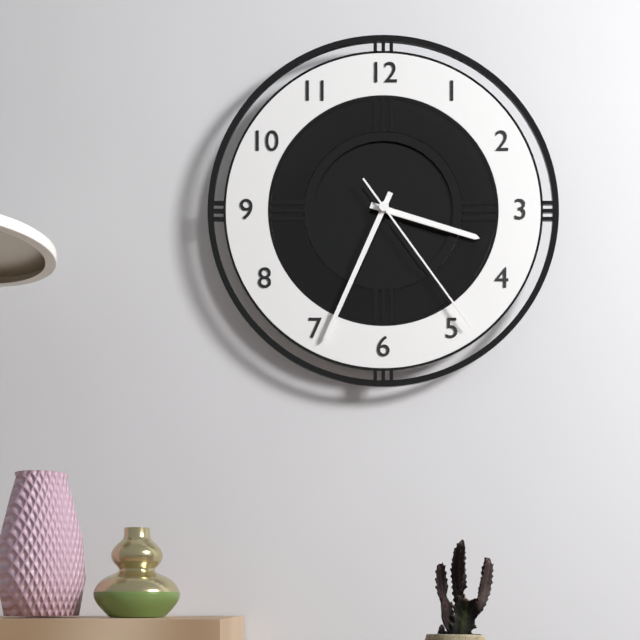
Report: 3 h 34 min 24 s
